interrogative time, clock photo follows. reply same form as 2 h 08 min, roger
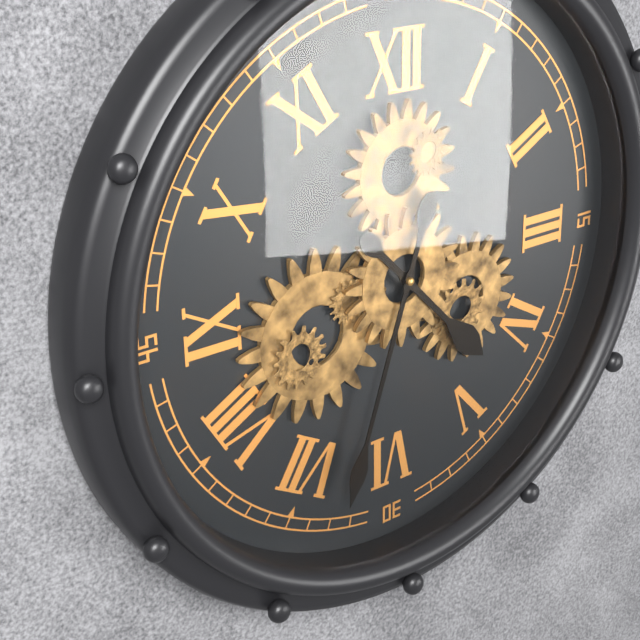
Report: 4 h 33 min
